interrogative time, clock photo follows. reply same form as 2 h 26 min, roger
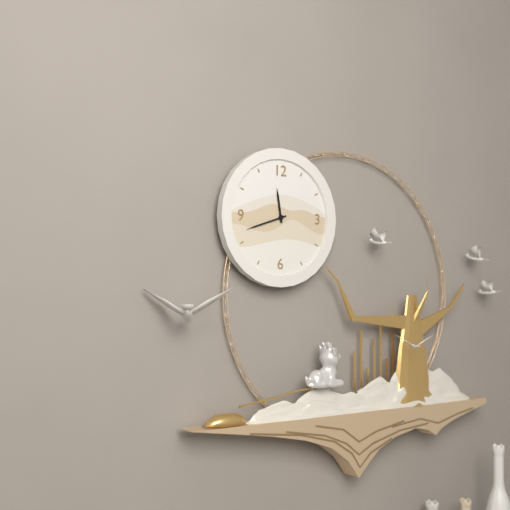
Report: 11 h 42 min
